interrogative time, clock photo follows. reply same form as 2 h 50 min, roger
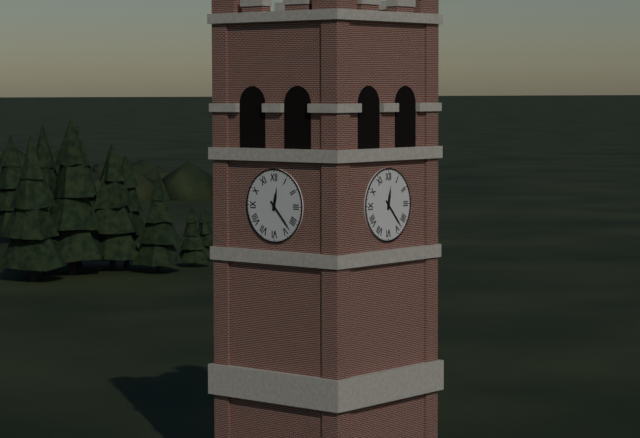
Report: 12 h 23 min
